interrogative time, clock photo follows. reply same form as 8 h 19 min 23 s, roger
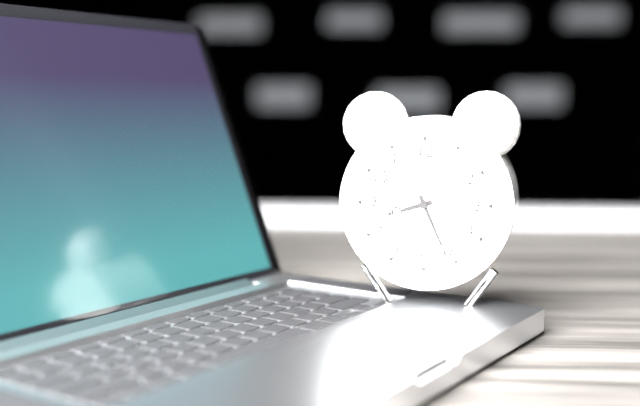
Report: 8 h 26 min 35 s
